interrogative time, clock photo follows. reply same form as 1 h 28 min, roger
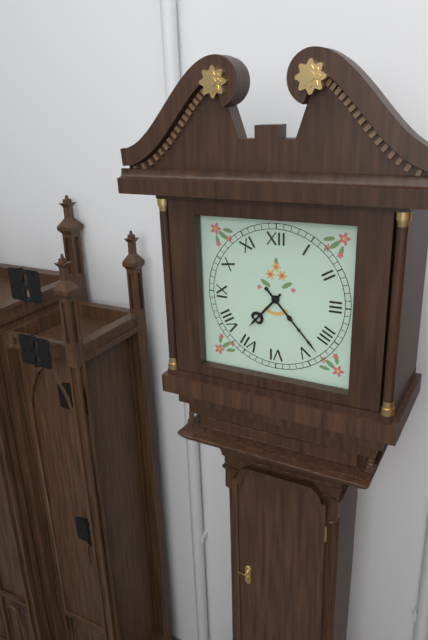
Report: 7 h 23 min
